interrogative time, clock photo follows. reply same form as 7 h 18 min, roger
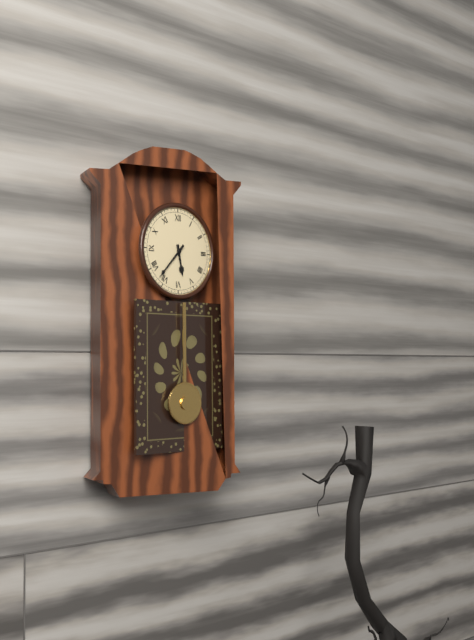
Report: 5 h 37 min
